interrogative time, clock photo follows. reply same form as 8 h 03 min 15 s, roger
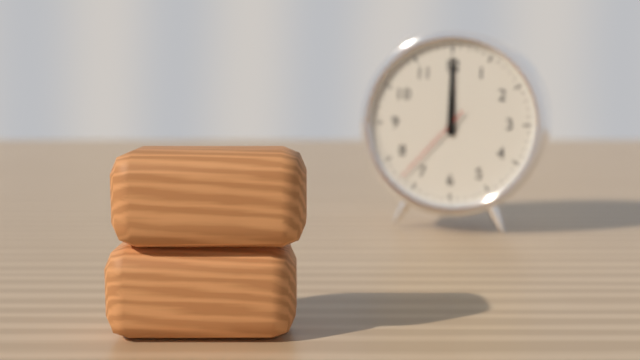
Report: 12 h 00 min 37 s
